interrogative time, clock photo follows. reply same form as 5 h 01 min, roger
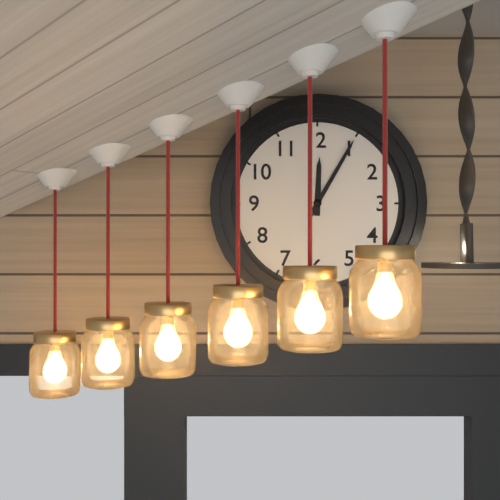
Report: 12 h 05 min
